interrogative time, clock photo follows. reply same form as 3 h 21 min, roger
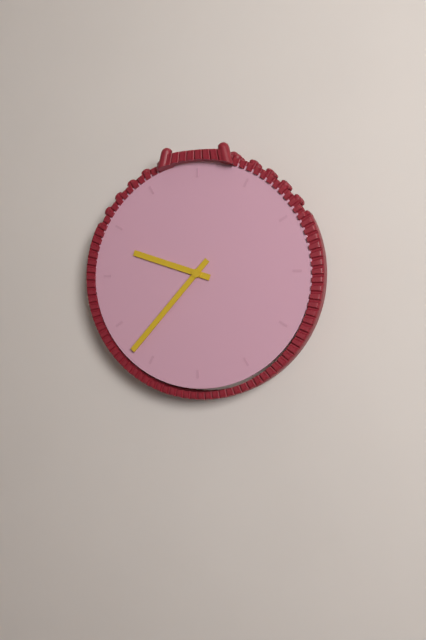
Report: 9 h 37 min
